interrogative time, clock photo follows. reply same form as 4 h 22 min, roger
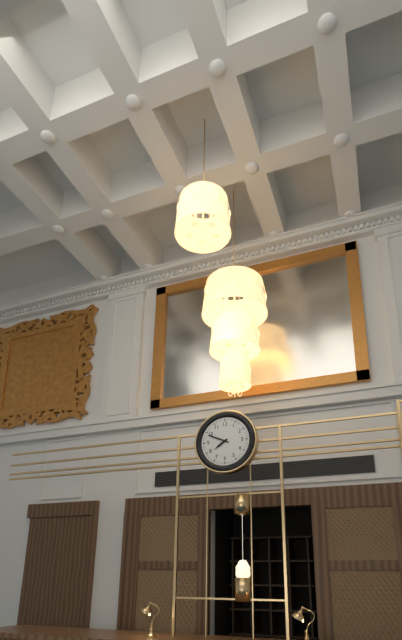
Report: 7 h 49 min
